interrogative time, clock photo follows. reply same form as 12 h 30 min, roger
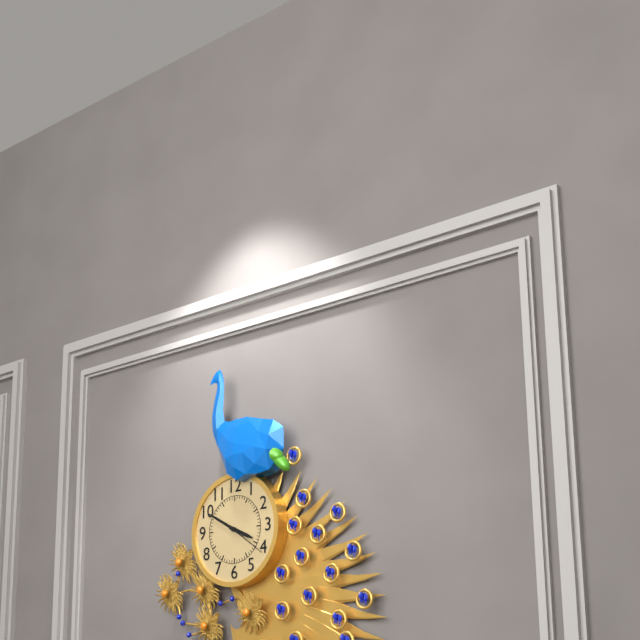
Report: 3 h 50 min
